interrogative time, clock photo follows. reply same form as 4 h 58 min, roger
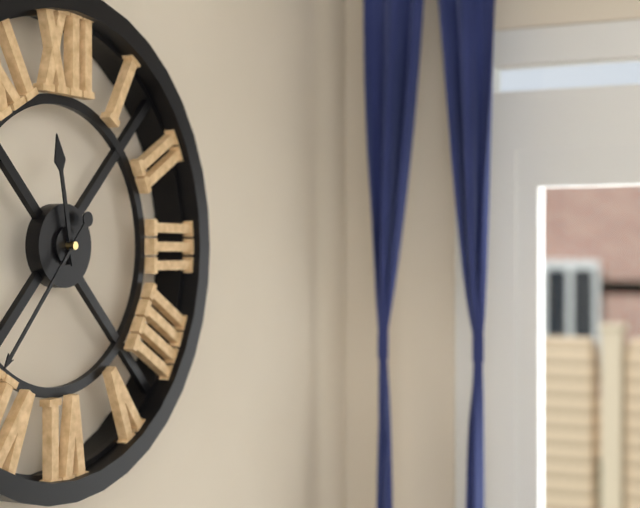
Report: 11 h 37 min
